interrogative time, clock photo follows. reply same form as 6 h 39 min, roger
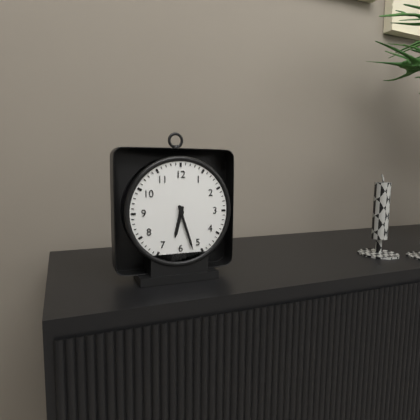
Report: 6 h 27 min
